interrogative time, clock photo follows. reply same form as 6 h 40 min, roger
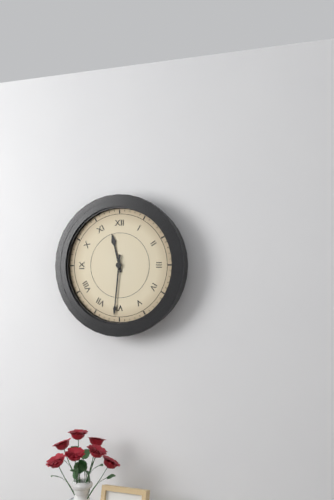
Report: 11 h 31 min
